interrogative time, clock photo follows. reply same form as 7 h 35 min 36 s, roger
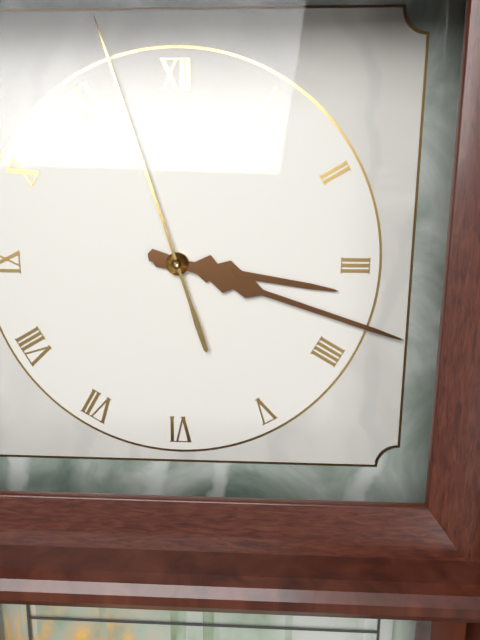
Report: 3 h 18 min 57 s
